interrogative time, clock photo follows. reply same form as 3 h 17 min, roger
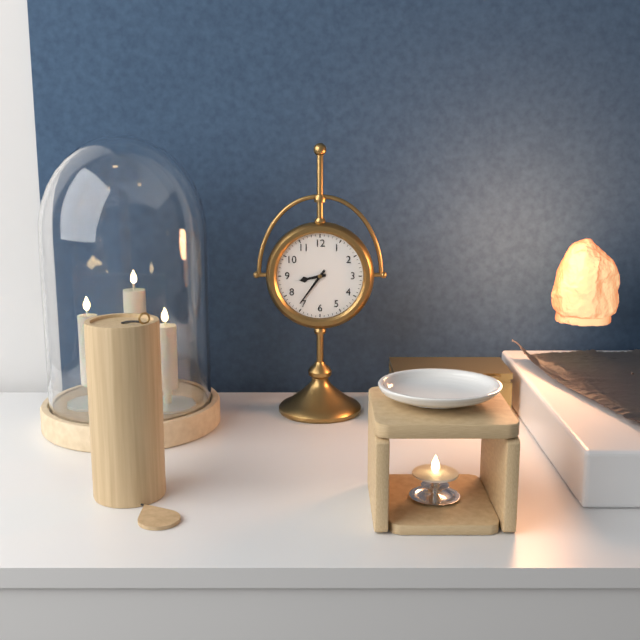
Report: 8 h 36 min
